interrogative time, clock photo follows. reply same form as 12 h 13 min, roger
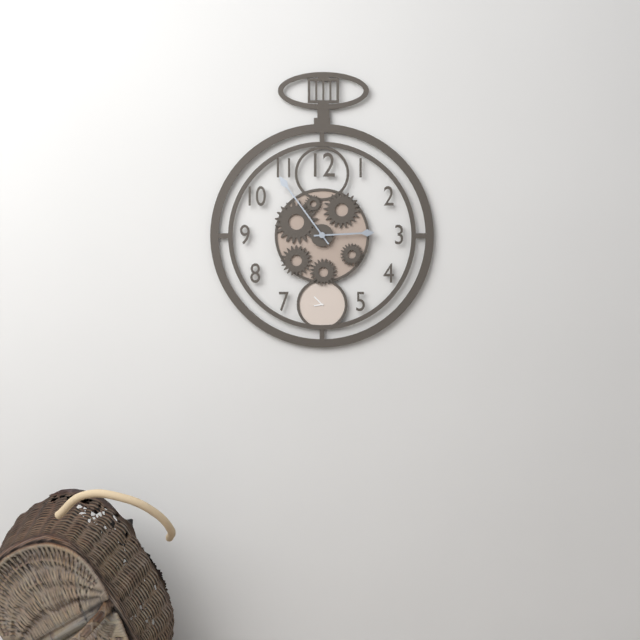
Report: 2 h 54 min
